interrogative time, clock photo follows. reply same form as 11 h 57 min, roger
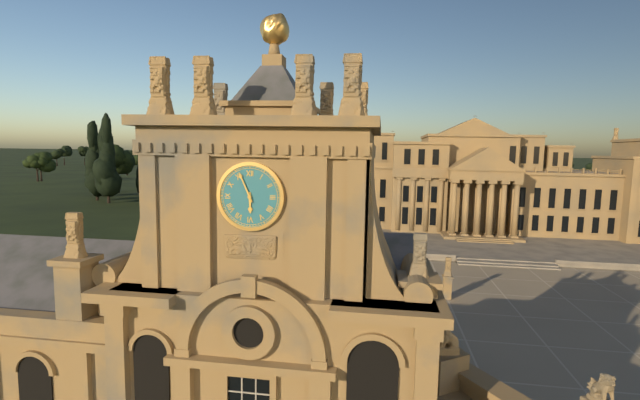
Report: 5 h 56 min
